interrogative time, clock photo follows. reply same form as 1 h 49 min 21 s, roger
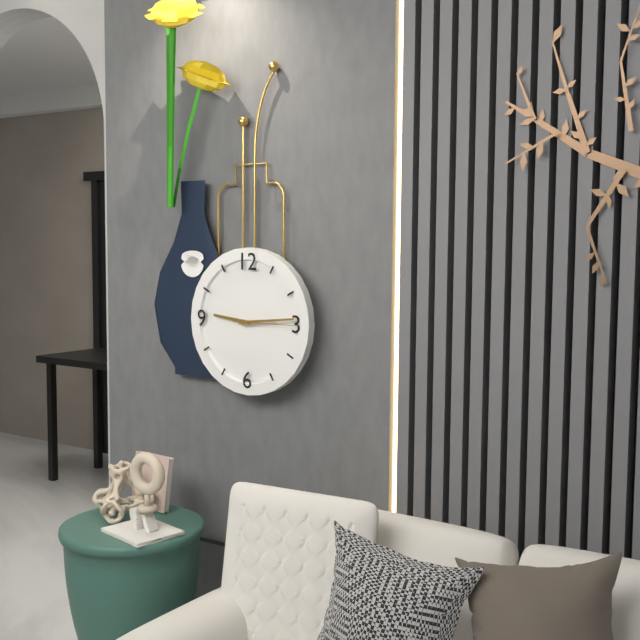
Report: 9 h 14 min 15 s
